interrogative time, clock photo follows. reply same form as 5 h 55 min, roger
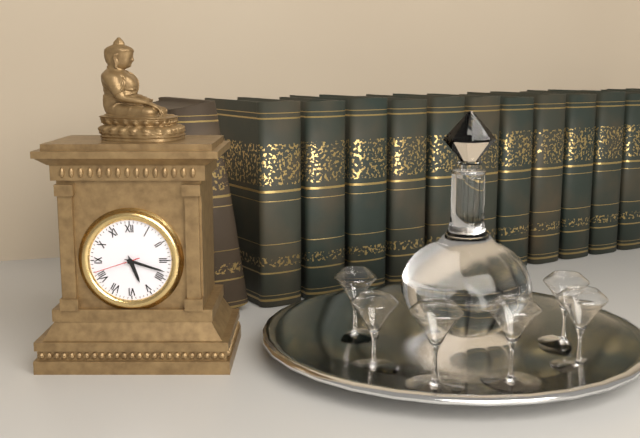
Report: 5 h 18 min
